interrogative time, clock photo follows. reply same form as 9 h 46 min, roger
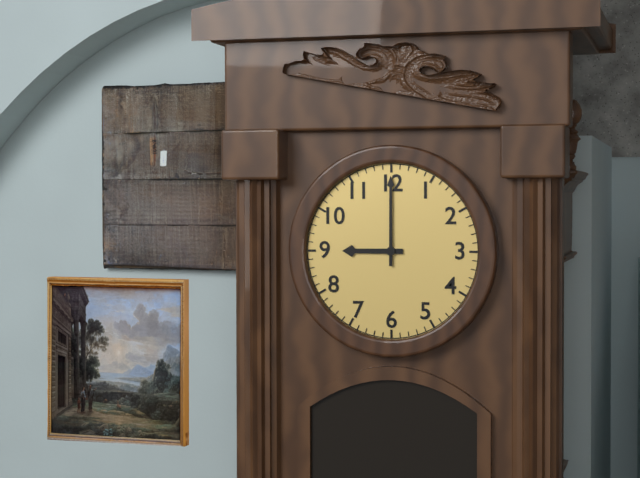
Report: 9 h 00 min
